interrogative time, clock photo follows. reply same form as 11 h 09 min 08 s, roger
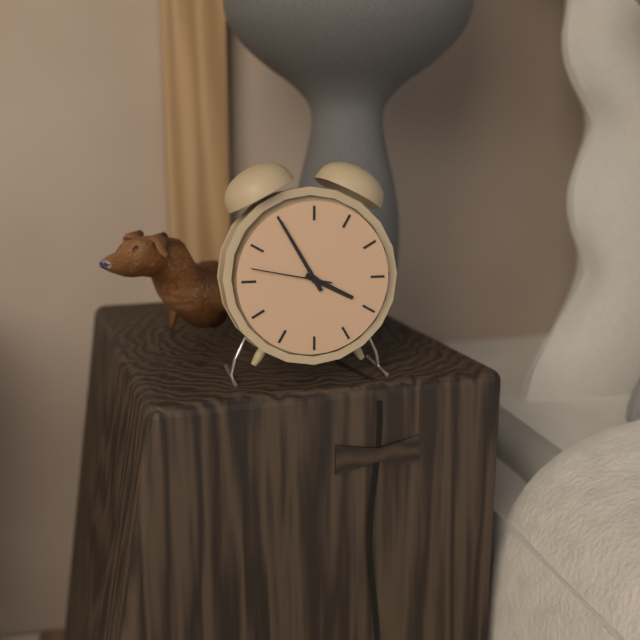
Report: 3 h 55 min 47 s
